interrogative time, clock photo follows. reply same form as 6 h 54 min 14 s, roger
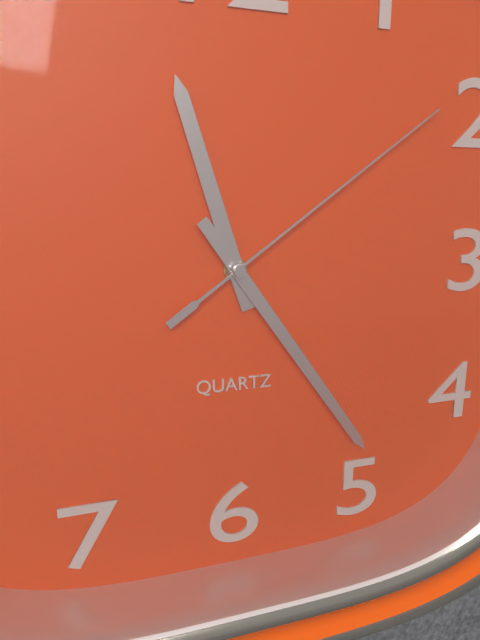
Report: 11 h 24 min 09 s
